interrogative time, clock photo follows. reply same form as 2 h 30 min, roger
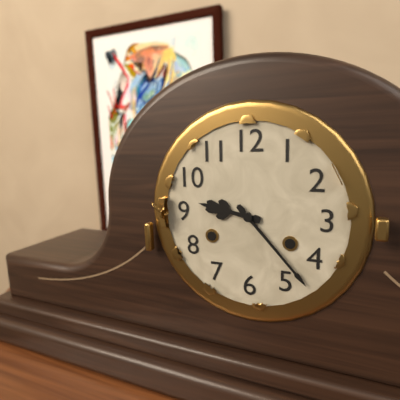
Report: 9 h 23 min
